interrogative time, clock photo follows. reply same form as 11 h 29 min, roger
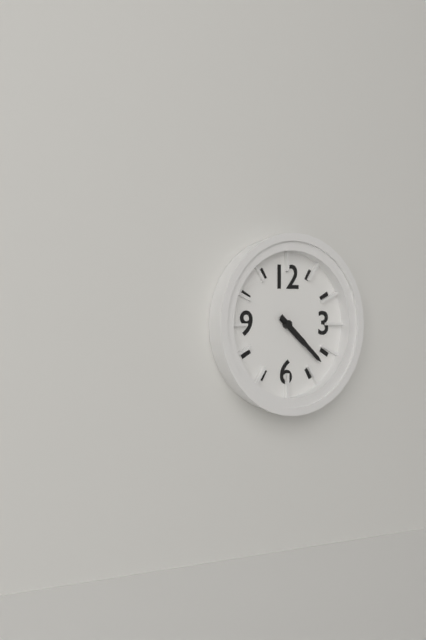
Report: 4 h 22 min
